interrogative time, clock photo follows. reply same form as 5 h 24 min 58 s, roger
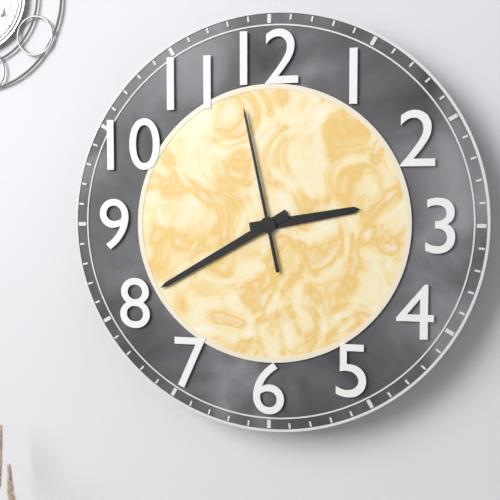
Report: 2 h 40 min 58 s
